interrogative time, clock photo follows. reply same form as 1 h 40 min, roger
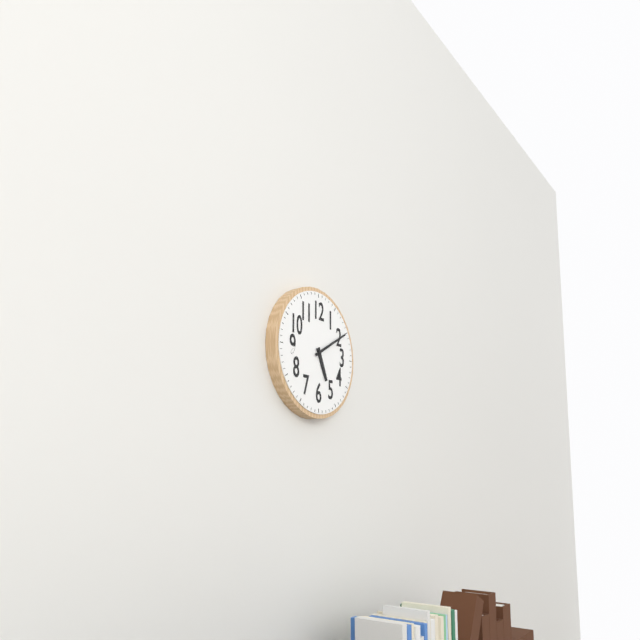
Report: 5 h 10 min
